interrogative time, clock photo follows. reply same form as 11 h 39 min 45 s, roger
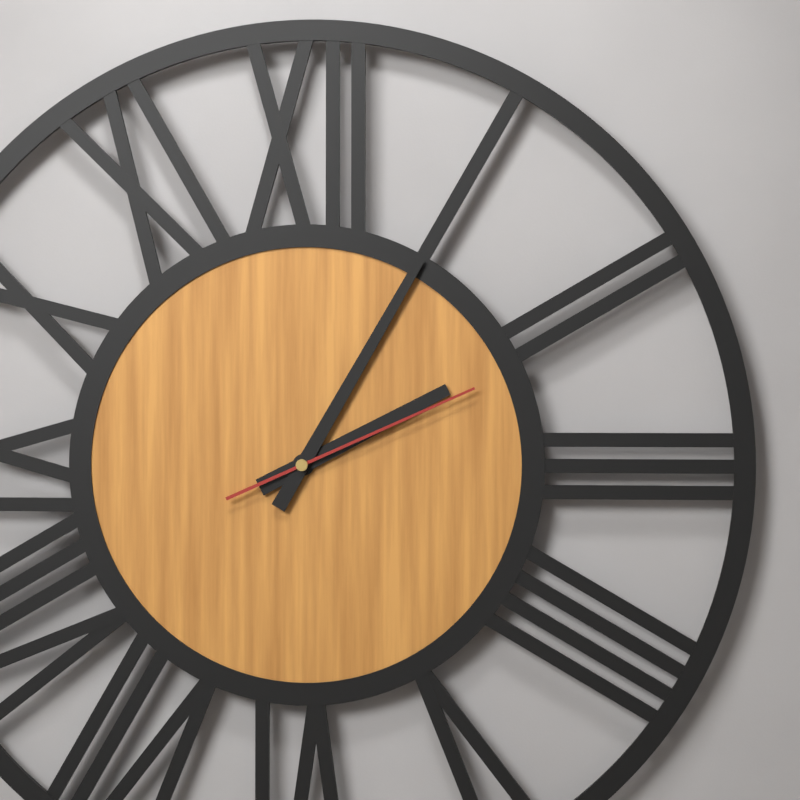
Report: 2 h 05 min 11 s
